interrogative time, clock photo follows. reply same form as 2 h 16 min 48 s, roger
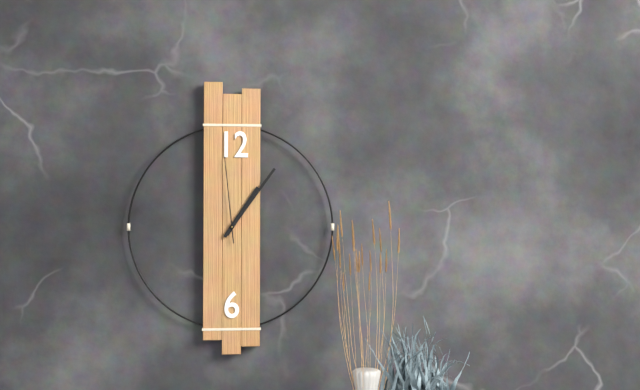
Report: 1 h 06 min 59 s
